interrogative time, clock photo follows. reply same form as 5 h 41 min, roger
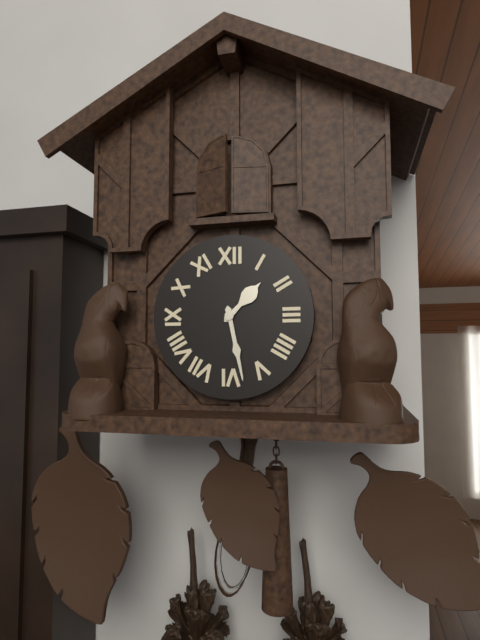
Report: 1 h 28 min
